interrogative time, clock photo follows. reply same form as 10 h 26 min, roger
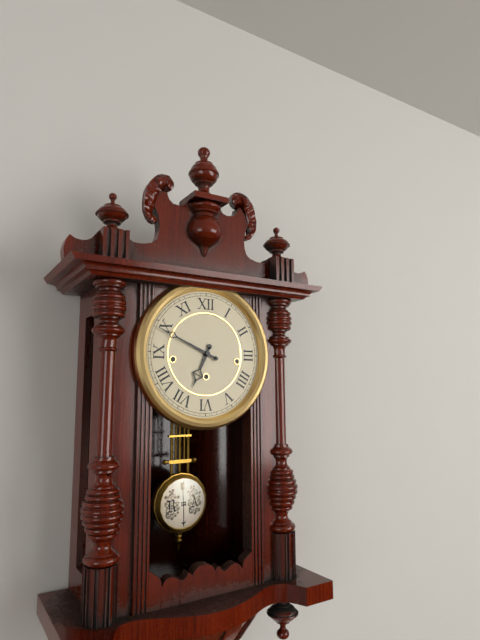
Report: 6 h 49 min
